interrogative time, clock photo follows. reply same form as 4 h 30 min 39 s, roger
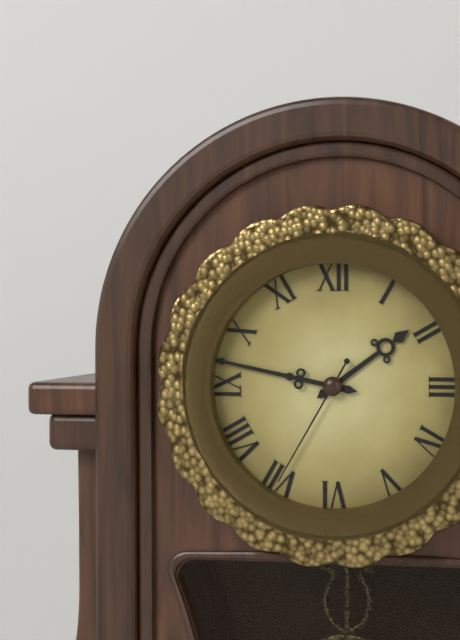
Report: 1 h 47 min 35 s
